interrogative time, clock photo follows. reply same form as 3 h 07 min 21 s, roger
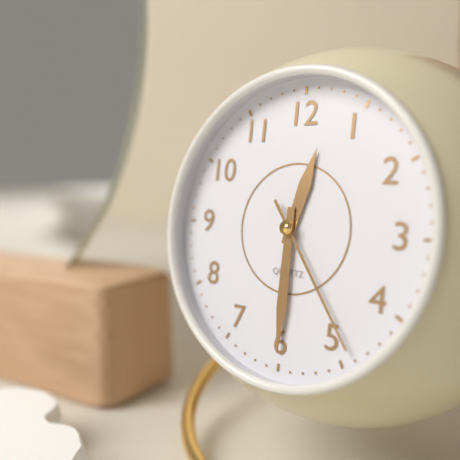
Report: 12 h 30 min 24 s
